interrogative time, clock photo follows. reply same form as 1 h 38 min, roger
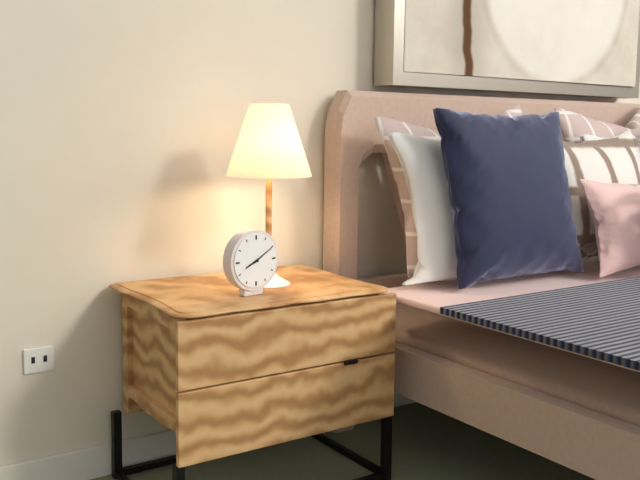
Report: 8 h 10 min
